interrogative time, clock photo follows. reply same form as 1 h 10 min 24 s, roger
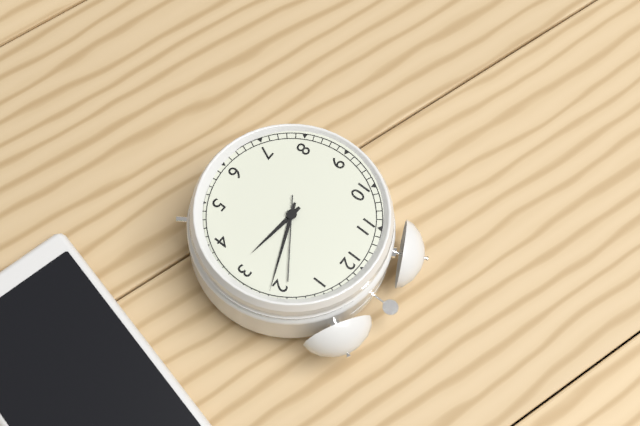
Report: 3 h 11 min 09 s
